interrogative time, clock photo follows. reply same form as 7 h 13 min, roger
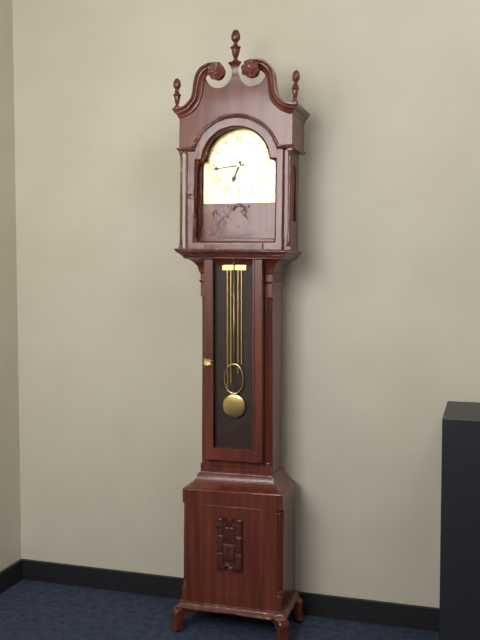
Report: 6 h 44 min
